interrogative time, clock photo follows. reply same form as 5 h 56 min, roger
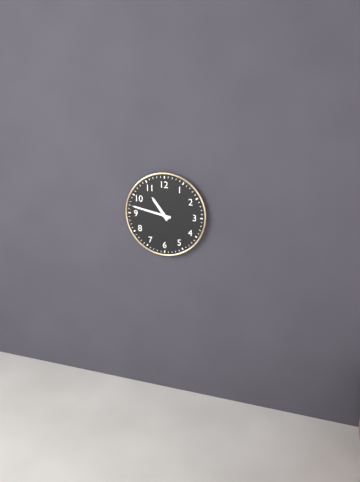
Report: 10 h 47 min
